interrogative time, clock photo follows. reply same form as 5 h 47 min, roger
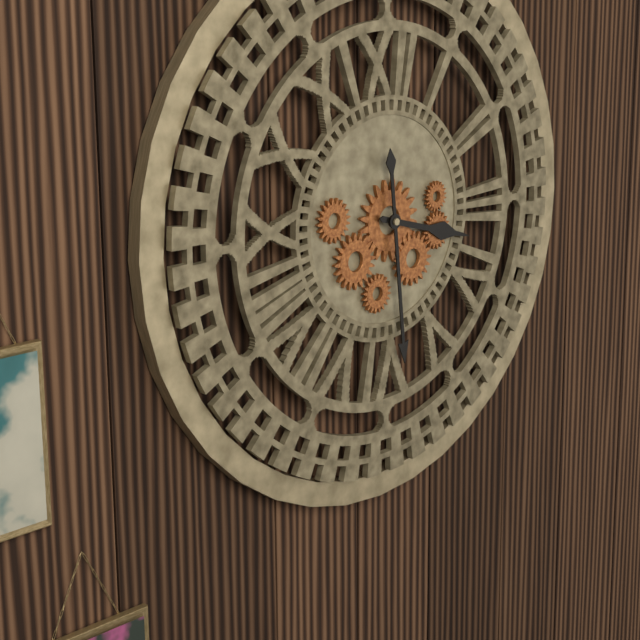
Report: 3 h 29 min
